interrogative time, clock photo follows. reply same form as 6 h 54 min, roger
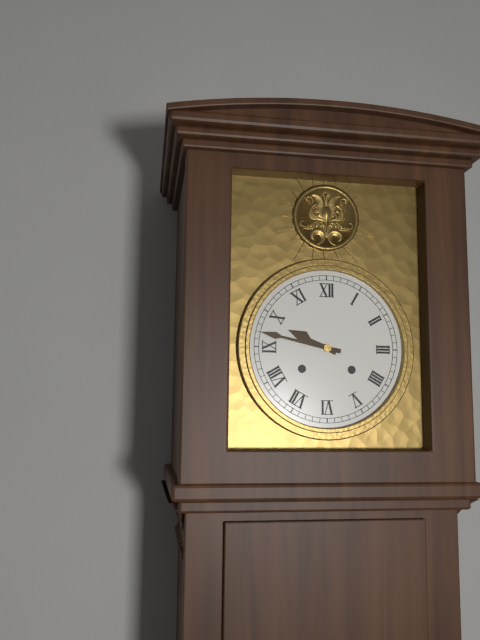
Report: 9 h 47 min
